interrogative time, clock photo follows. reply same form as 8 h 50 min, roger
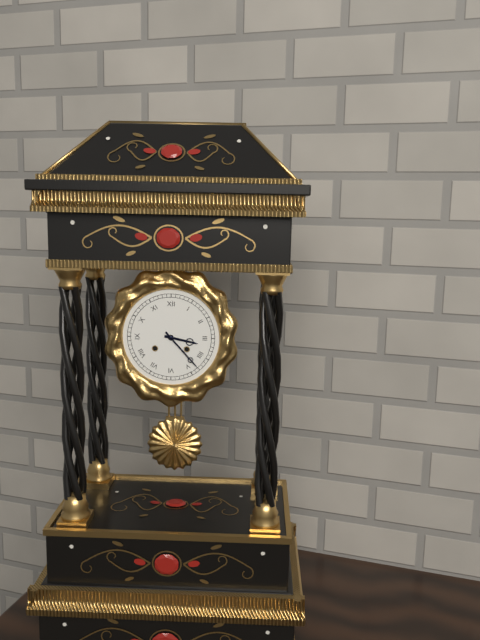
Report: 3 h 23 min
